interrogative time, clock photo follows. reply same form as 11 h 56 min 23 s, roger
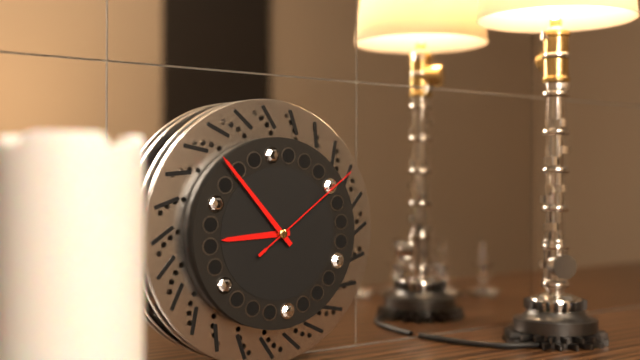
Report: 8 h 53 min 09 s
